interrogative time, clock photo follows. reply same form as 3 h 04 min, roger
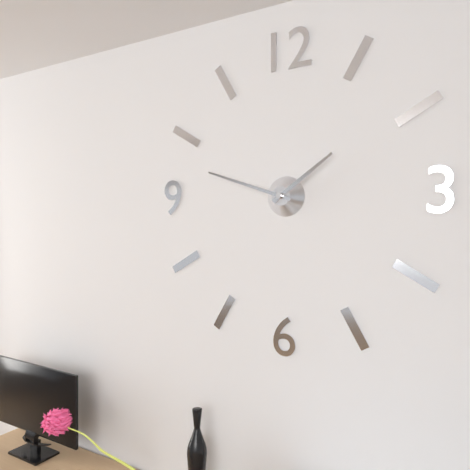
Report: 1 h 48 min
